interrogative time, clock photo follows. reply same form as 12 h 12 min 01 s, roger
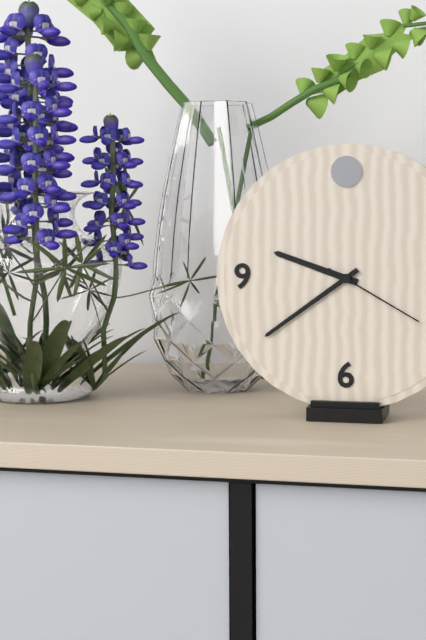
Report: 9 h 39 min 20 s
